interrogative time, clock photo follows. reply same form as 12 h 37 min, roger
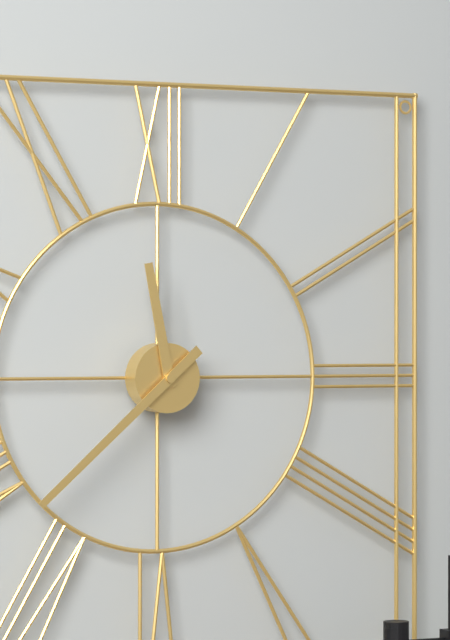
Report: 11 h 38 min
